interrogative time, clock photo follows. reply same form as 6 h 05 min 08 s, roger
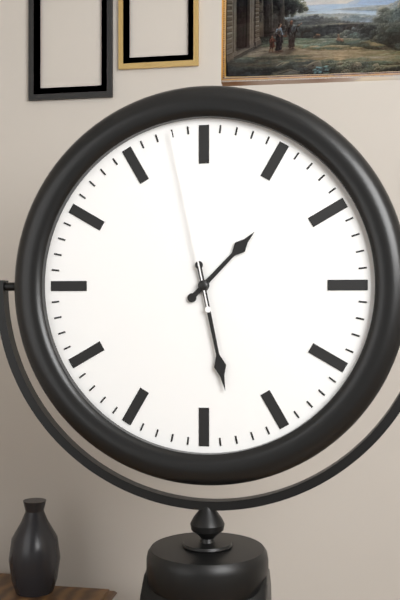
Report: 1 h 28 min 58 s
